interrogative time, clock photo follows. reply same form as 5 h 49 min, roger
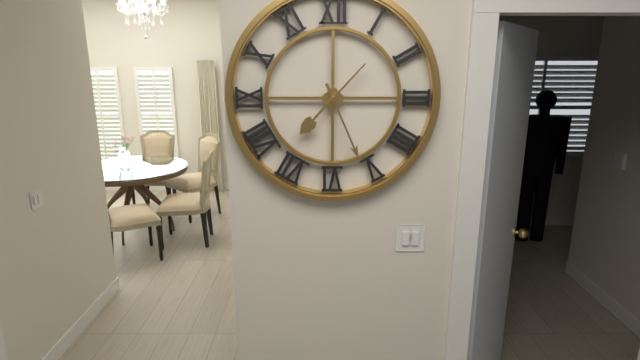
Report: 7 h 26 min
